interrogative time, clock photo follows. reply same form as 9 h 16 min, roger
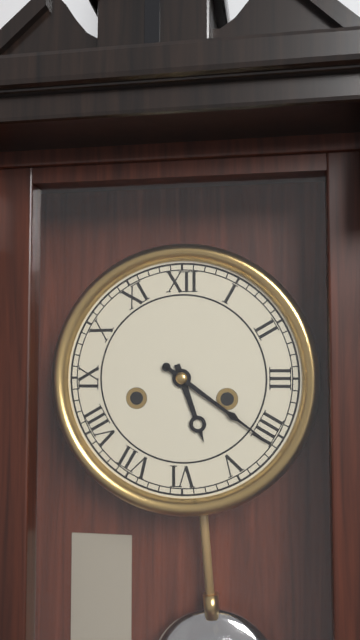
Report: 5 h 21 min
